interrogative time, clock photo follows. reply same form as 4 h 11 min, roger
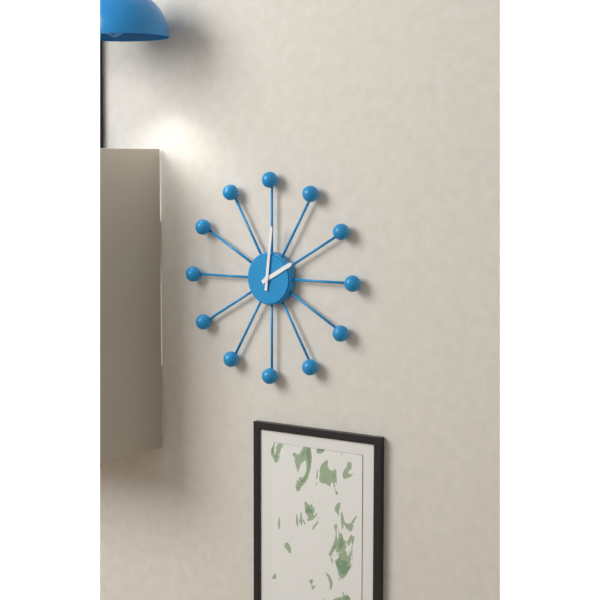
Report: 2 h 01 min
